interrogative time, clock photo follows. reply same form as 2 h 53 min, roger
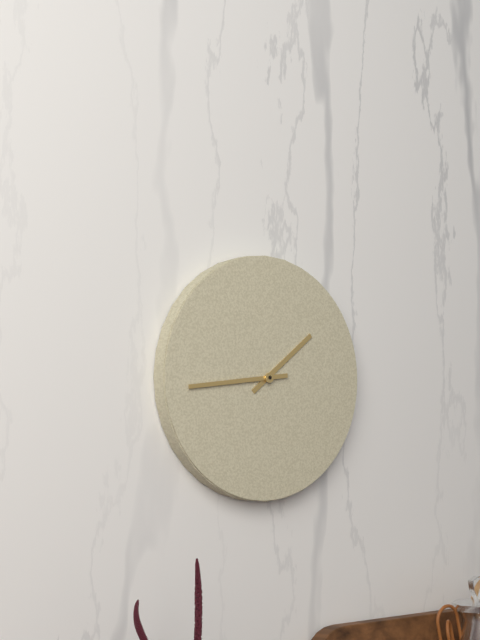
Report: 1 h 44 min
